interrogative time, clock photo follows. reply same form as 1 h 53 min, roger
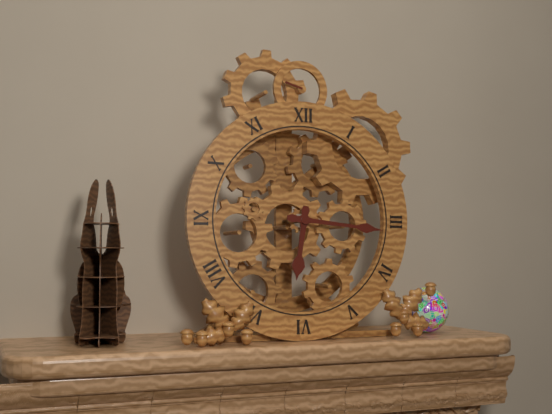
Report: 6 h 16 min
